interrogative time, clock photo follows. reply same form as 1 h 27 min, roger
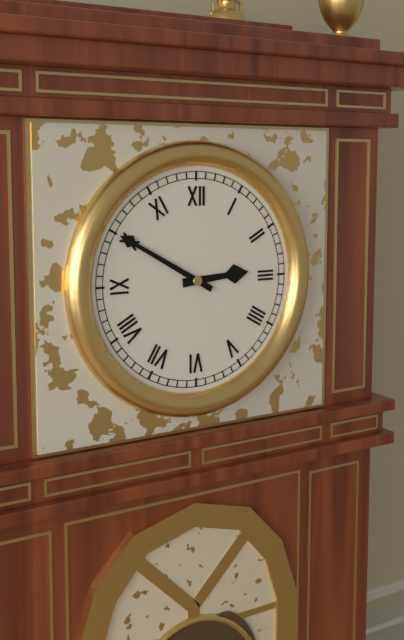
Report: 2 h 50 min
